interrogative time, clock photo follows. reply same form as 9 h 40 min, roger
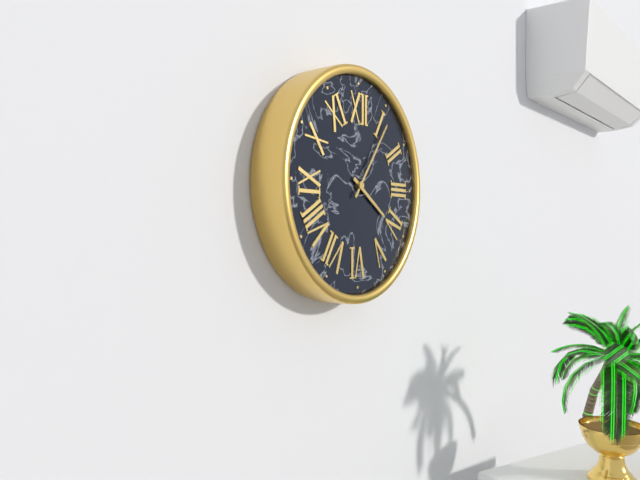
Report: 4 h 06 min
